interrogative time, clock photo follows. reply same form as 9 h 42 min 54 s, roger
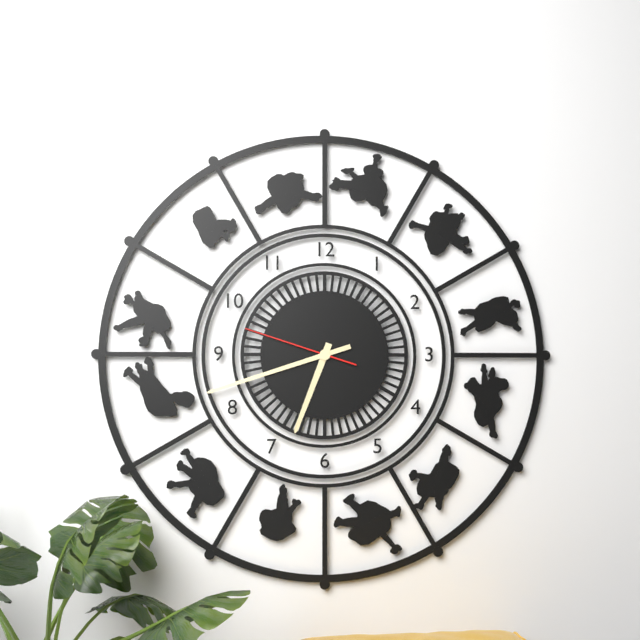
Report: 6 h 42 min 48 s
